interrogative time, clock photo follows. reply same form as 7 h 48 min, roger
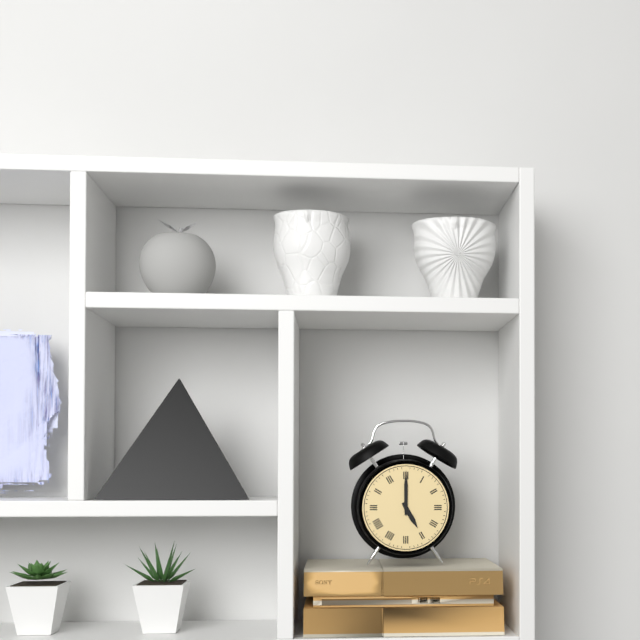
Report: 5 h 00 min
